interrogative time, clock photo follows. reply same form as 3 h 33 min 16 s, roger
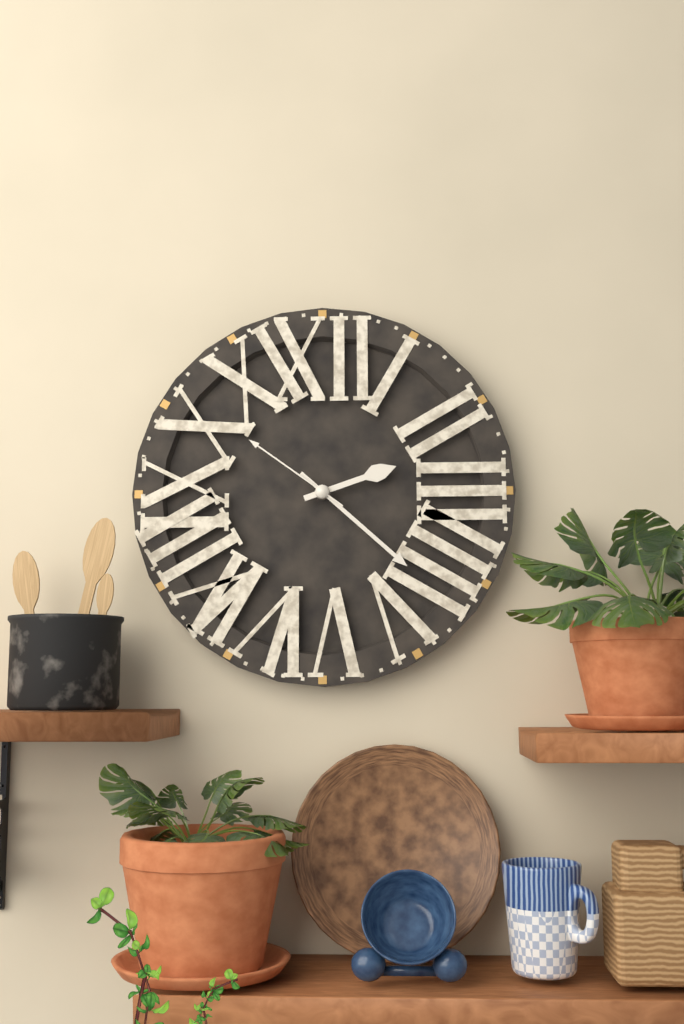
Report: 2 h 22 min 51 s
